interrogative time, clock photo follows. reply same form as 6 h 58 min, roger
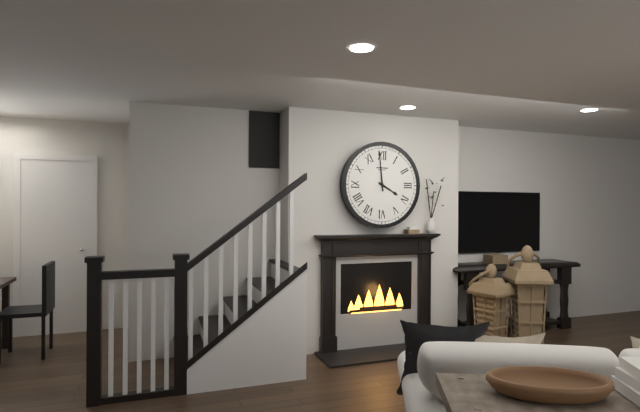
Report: 3 h 59 min
